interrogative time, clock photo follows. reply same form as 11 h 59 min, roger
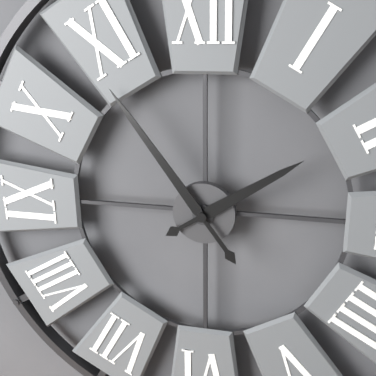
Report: 1 h 54 min
